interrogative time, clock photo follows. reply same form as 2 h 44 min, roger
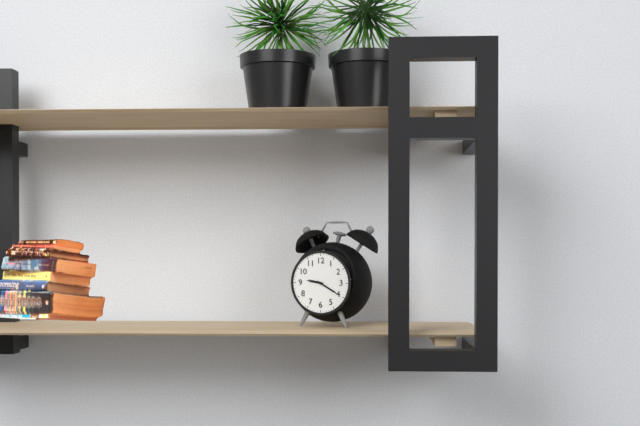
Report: 9 h 20 min
